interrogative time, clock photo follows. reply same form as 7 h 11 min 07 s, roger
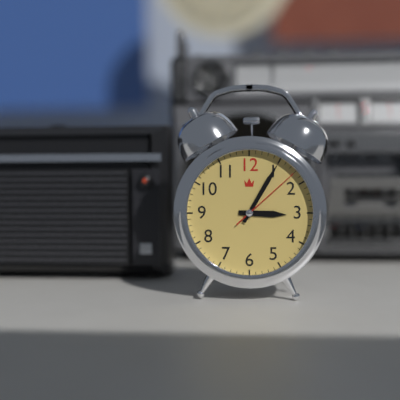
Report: 3 h 05 min 08 s
